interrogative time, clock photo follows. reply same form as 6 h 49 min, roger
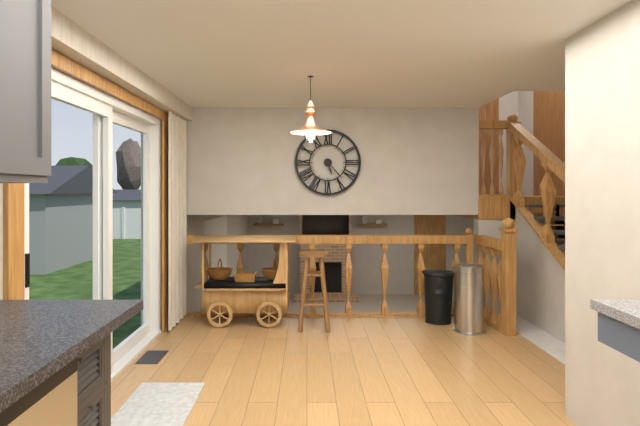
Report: 5 h 23 min
